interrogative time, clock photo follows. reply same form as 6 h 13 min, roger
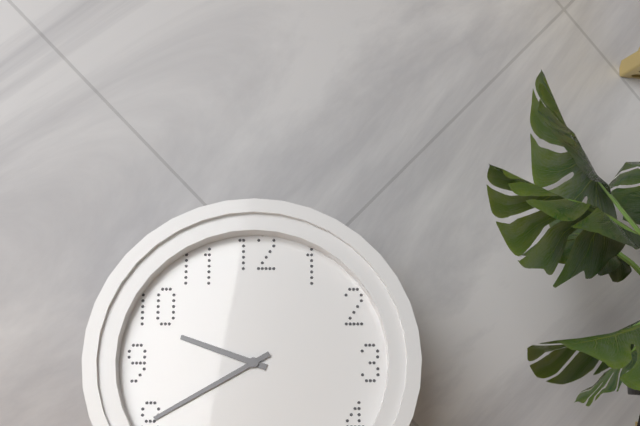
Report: 9 h 40 min
